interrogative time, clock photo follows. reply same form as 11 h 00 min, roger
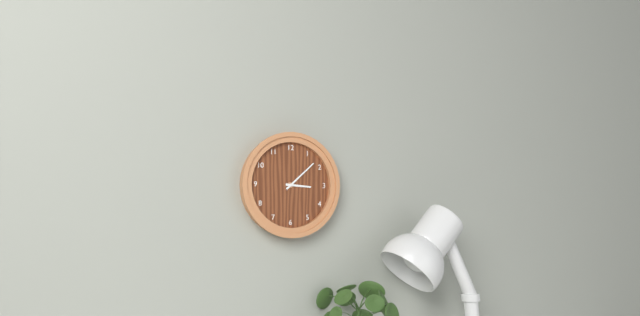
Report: 3 h 08 min
